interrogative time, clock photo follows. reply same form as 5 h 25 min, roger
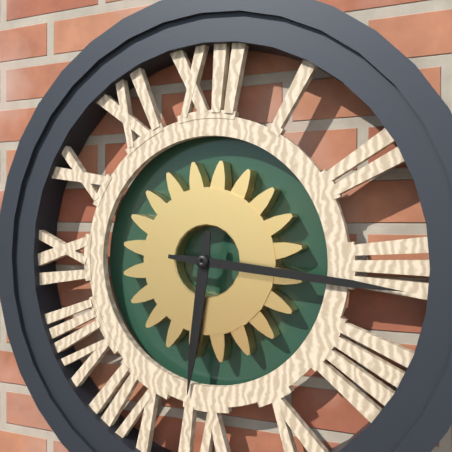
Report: 6 h 16 min
